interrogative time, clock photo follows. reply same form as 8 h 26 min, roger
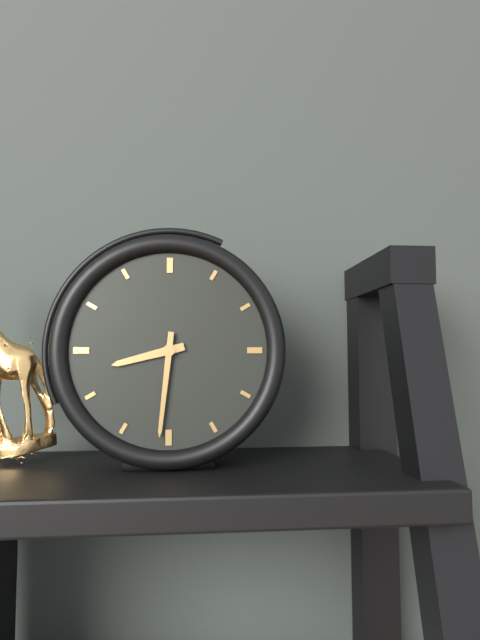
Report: 8 h 31 min
